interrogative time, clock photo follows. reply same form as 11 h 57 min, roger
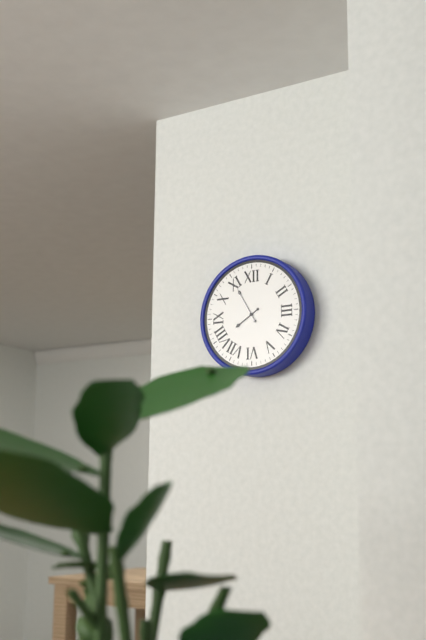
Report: 7 h 55 min
